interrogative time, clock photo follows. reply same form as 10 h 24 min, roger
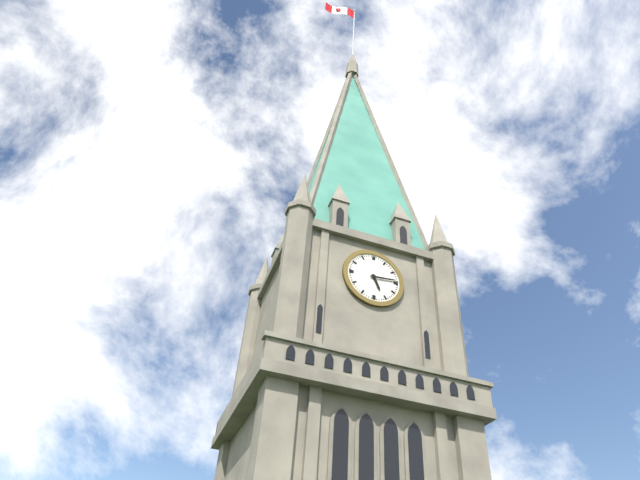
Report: 5 h 14 min
